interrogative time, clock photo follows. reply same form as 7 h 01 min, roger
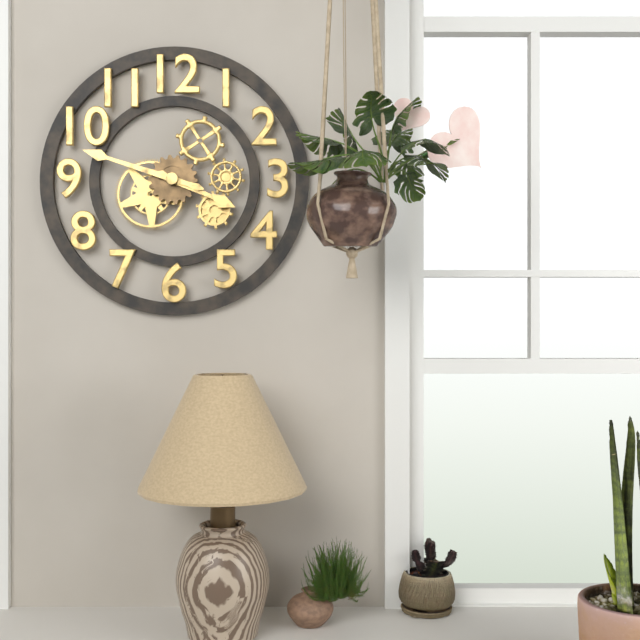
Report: 3 h 48 min
